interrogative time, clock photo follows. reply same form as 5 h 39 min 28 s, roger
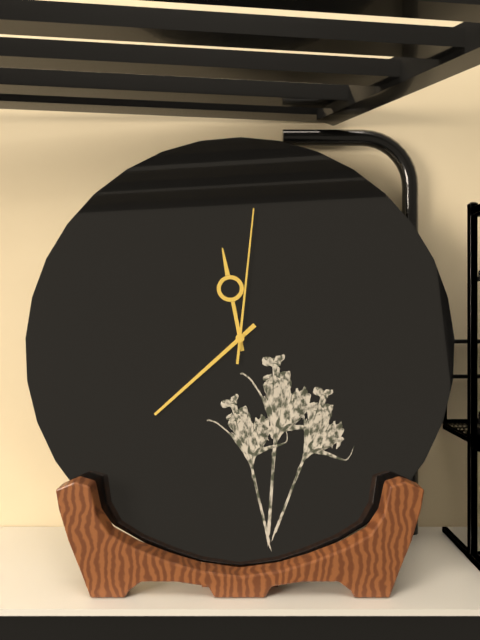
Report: 11 h 38 min 01 s
